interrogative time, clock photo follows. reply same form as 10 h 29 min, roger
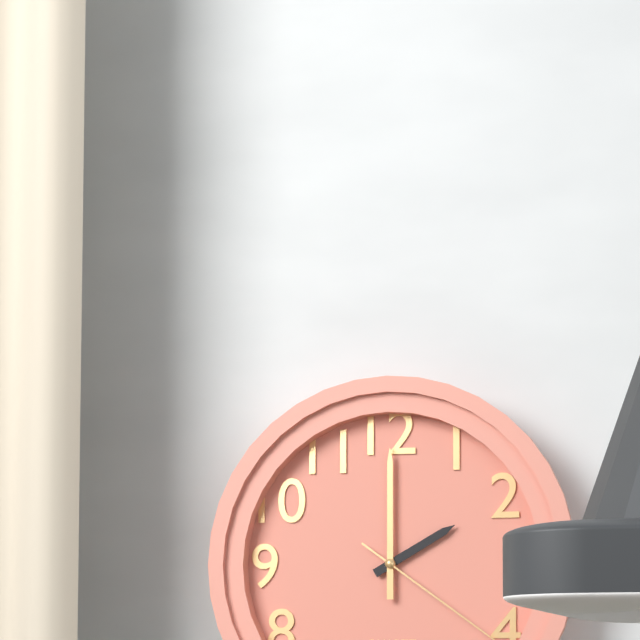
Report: 2 h 00 min
